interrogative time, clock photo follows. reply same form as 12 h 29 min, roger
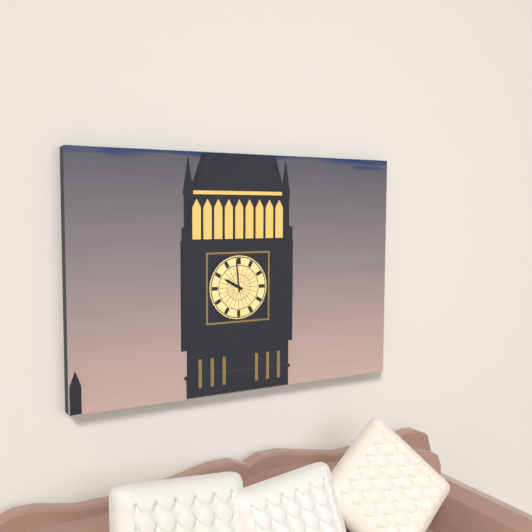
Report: 9 h 59 min
